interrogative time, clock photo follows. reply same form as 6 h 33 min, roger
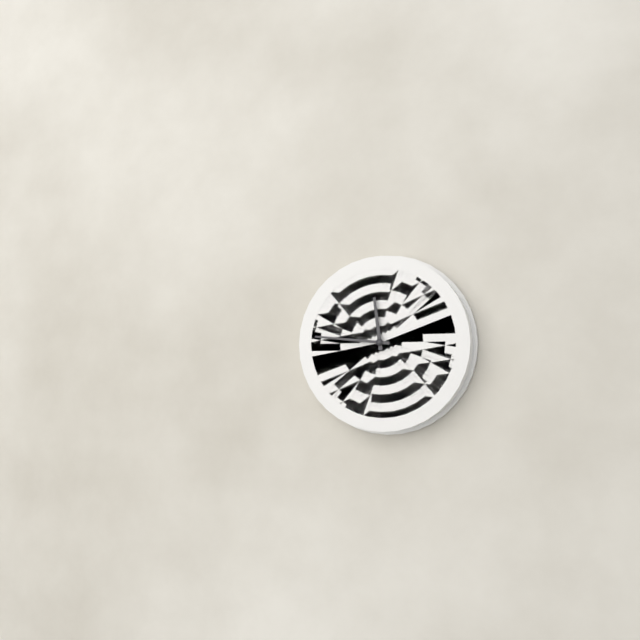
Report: 11 h 46 min
